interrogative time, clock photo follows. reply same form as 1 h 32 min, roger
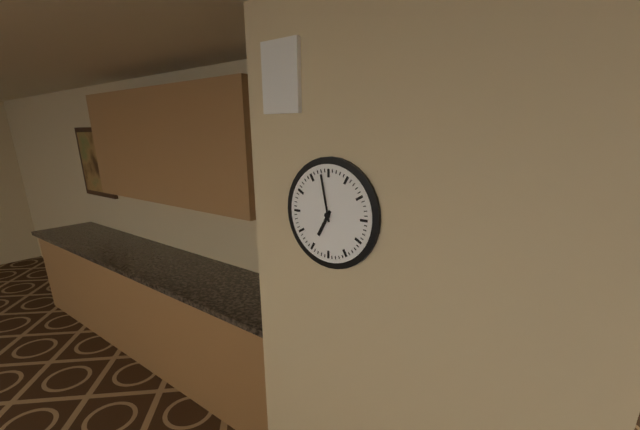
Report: 6 h 58 min
